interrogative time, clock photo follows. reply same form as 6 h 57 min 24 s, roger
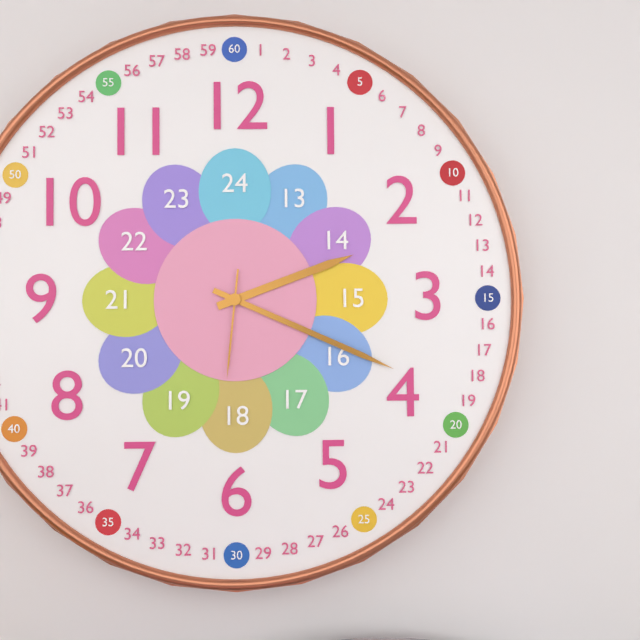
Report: 2 h 19 min 31 s
